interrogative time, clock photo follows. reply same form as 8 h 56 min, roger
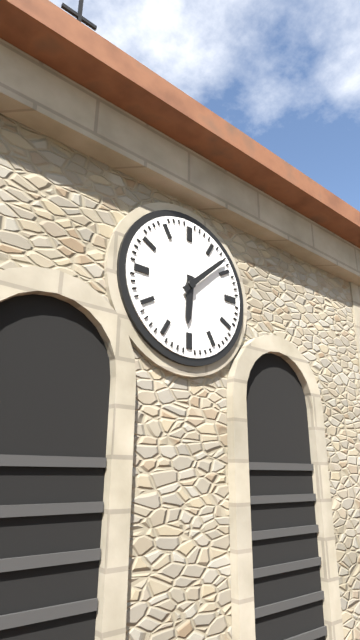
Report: 6 h 08 min
